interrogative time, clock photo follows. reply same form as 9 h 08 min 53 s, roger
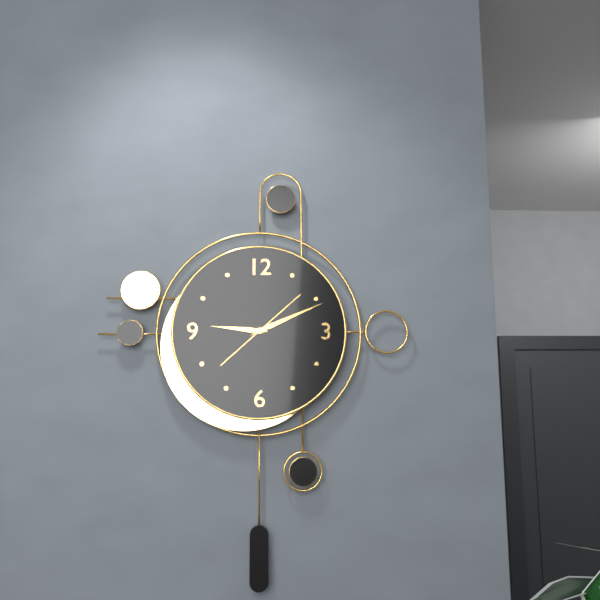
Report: 9 h 11 min 08 s
